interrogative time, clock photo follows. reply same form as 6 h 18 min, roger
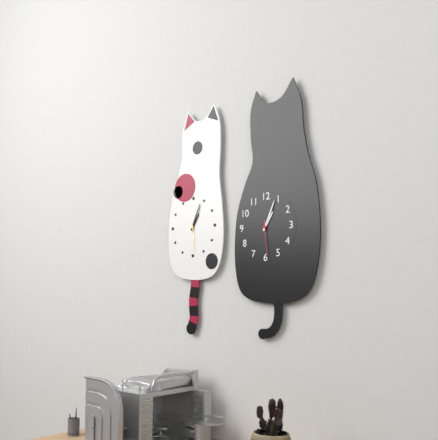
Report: 1 h 04 min
